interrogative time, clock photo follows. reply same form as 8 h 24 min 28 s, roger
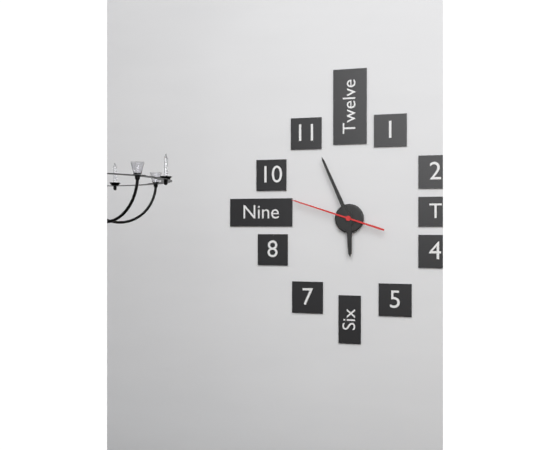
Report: 5 h 56 min 48 s
